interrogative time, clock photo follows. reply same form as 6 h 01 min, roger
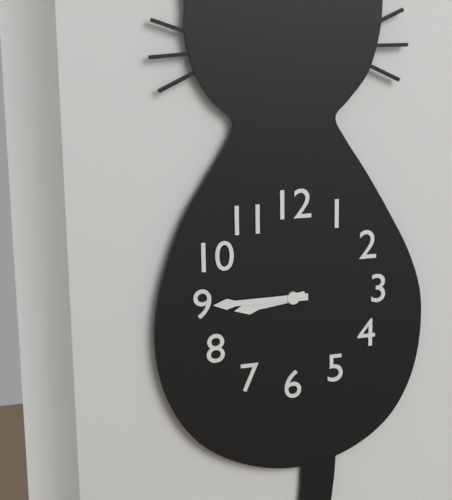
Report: 8 h 45 min
